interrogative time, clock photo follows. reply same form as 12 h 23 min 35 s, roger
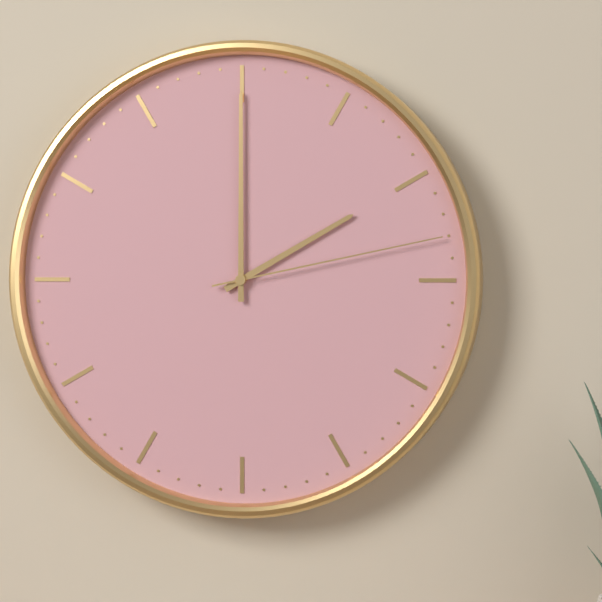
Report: 2 h 00 min 13 s
